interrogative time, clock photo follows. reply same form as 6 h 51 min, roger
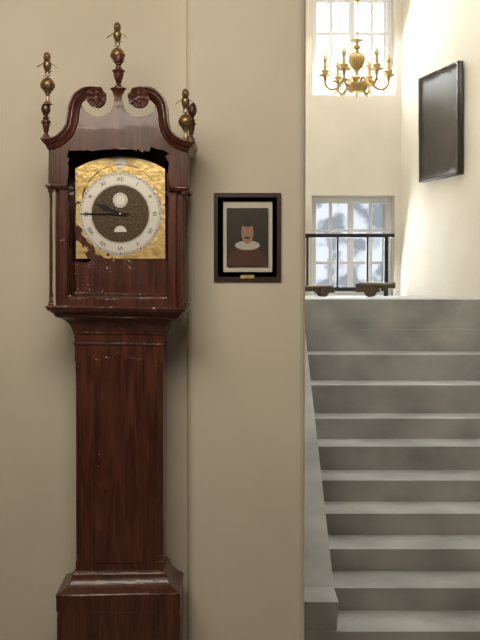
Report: 9 h 45 min
